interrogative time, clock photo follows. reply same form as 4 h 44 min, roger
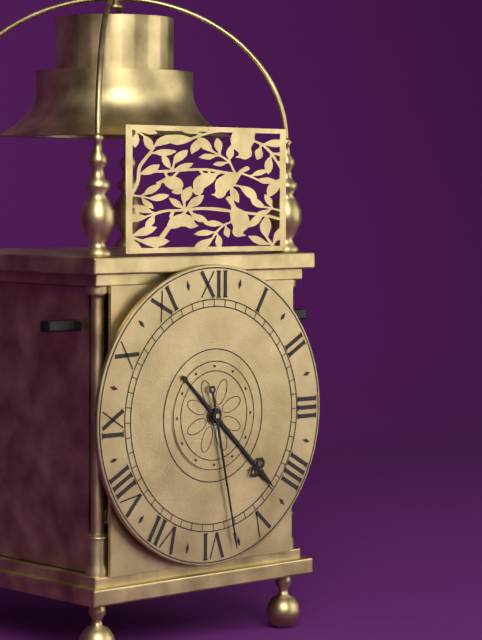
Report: 4 h 28 min
